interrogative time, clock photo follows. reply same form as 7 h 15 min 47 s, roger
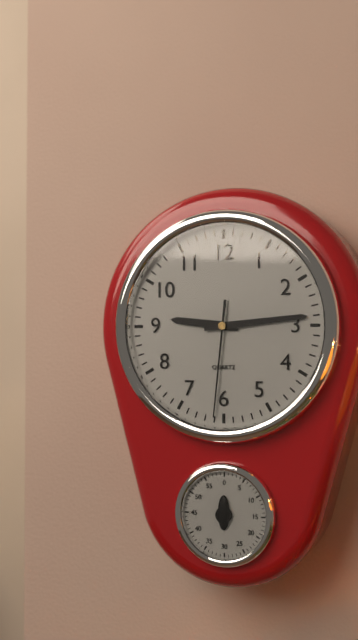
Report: 9 h 14 min 31 s
